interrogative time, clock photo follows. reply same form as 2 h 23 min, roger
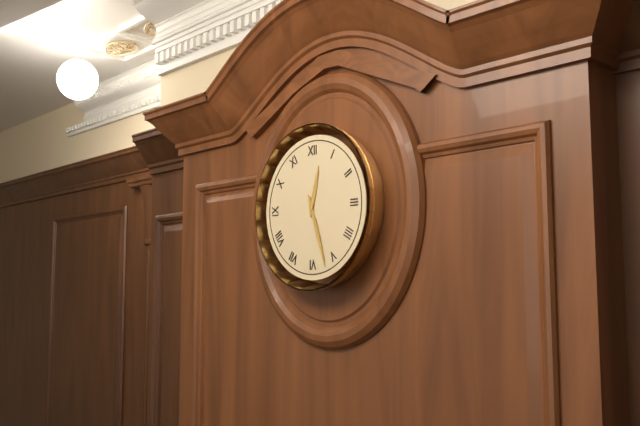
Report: 12 h 27 min
